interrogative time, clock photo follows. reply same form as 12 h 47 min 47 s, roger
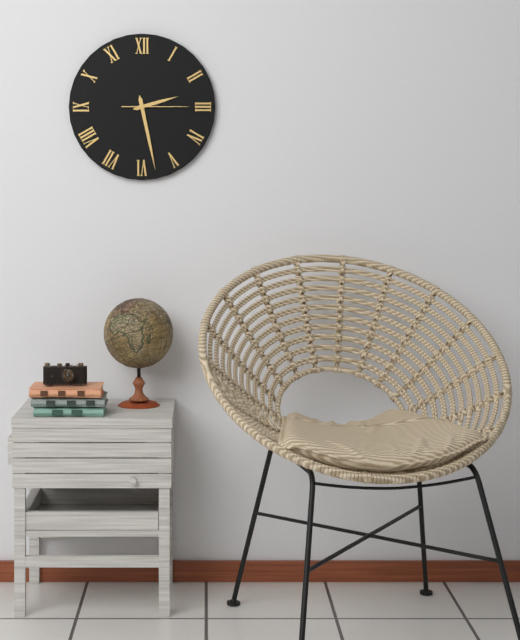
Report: 2 h 28 min 15 s
